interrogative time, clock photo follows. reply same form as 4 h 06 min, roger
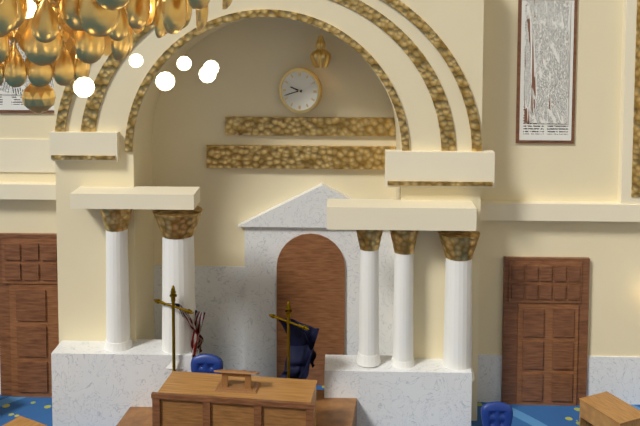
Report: 9 h 42 min
